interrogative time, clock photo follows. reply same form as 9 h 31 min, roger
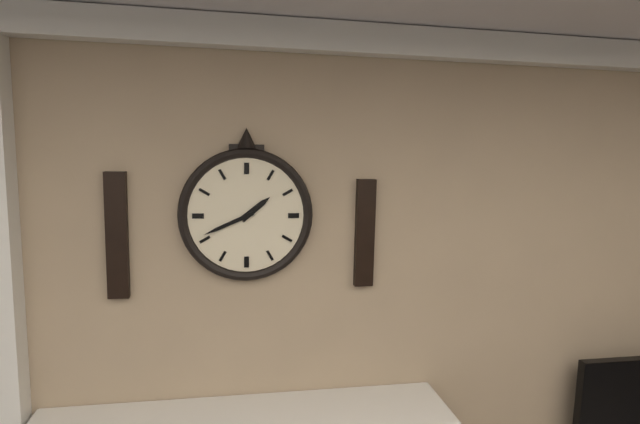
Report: 1 h 41 min
